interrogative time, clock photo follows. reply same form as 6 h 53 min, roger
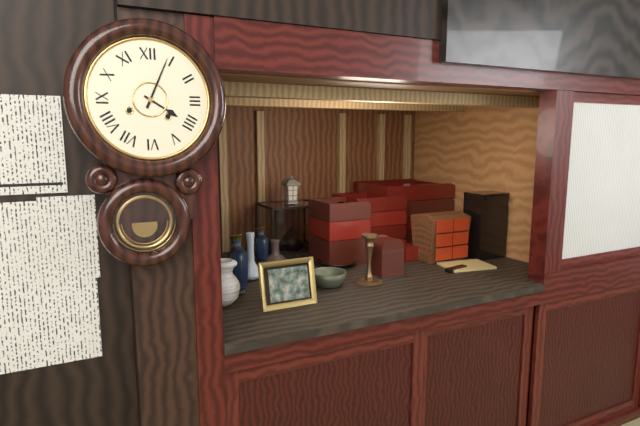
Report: 4 h 04 min
